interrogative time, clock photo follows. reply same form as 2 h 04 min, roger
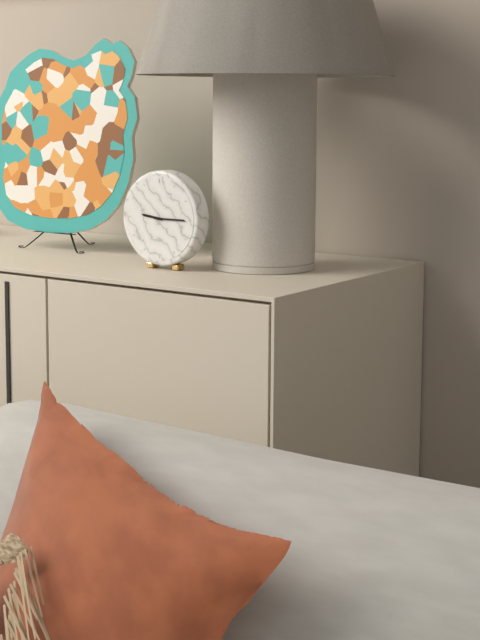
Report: 9 h 15 min
